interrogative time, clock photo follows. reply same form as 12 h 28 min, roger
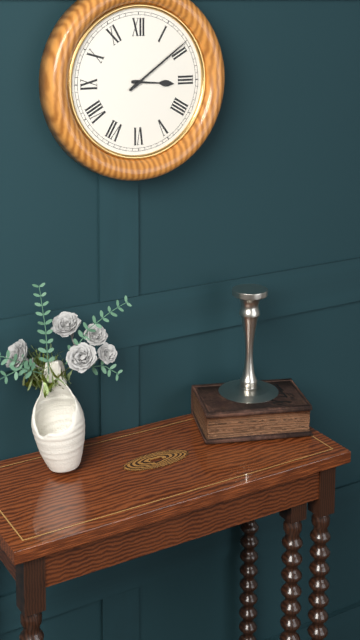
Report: 3 h 09 min
